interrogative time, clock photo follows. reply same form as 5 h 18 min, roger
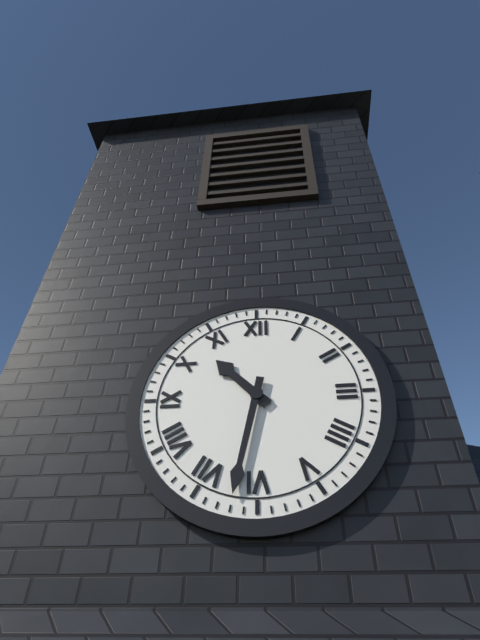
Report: 10 h 32 min
